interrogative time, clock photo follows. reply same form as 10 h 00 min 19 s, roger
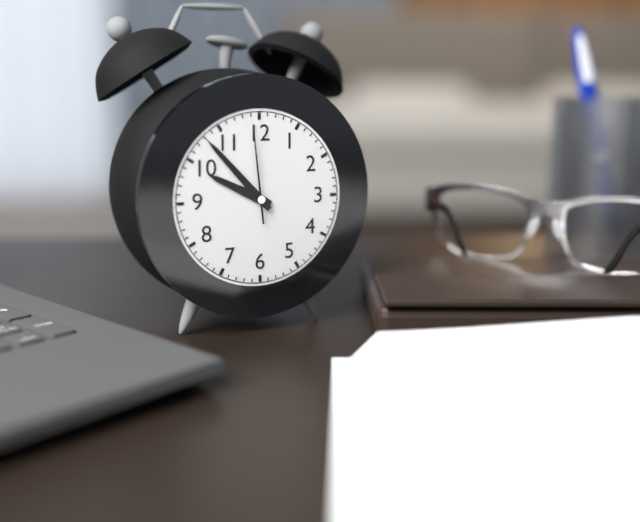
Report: 9 h 53 min 59 s
